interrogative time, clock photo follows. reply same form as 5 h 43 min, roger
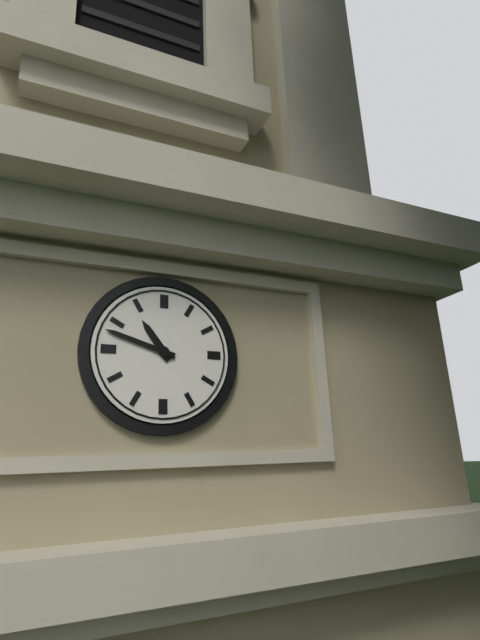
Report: 10 h 48 min
